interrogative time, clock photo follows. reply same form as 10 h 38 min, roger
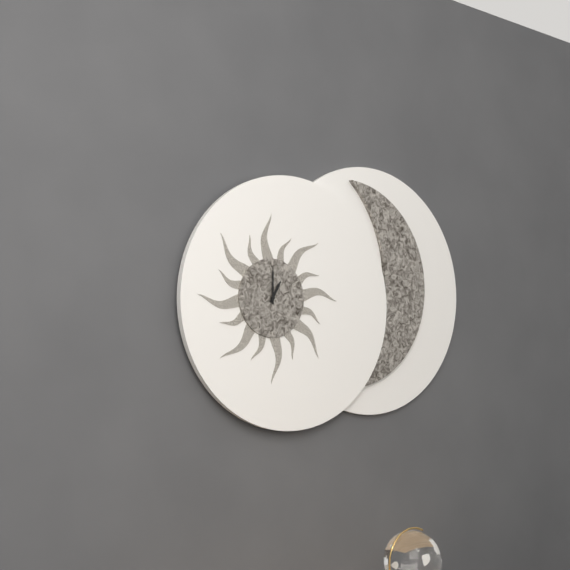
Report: 1 h 00 min
